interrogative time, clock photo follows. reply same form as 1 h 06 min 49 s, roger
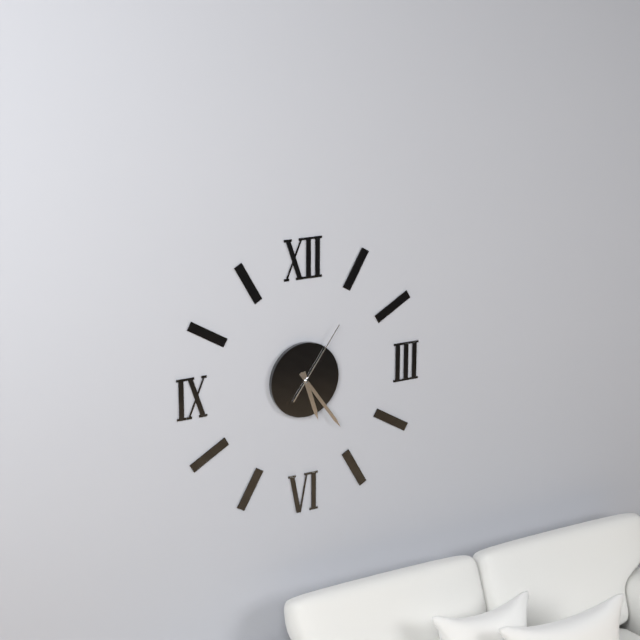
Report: 5 h 24 min 06 s
